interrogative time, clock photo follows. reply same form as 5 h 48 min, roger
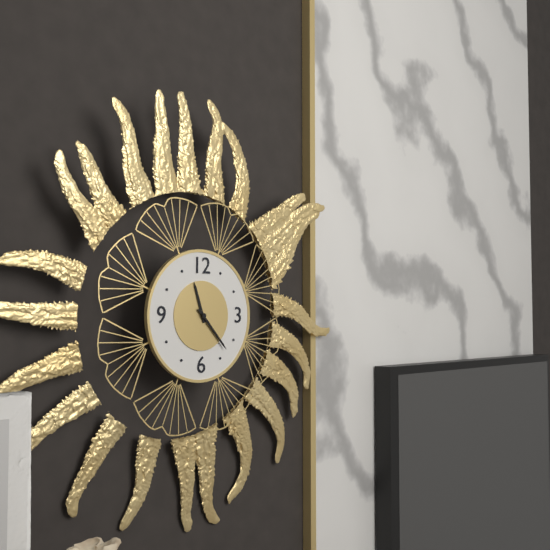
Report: 11 h 23 min
